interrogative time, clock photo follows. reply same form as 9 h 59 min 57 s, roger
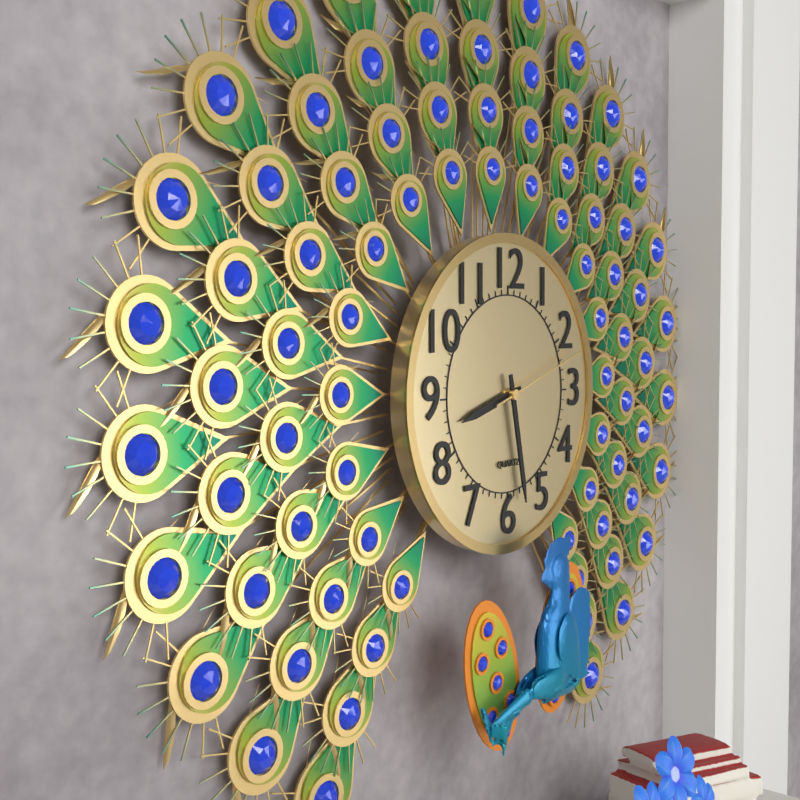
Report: 8 h 28 min 12 s
